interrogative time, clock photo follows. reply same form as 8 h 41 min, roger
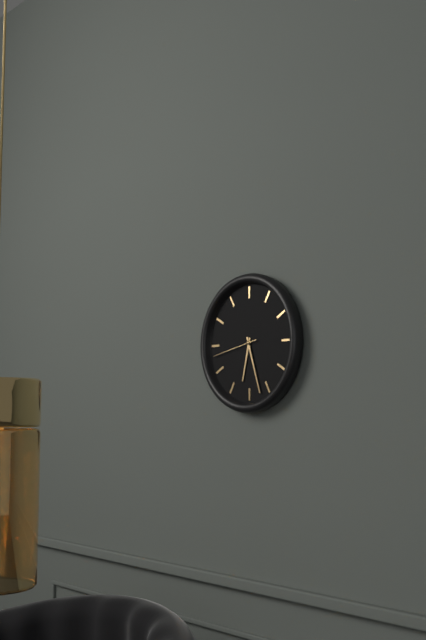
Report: 6 h 27 min
